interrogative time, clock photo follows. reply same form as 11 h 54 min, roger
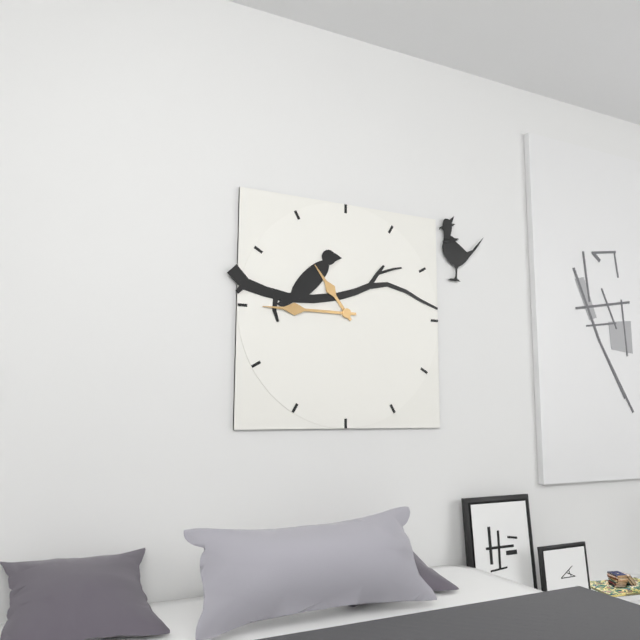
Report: 10 h 45 min
